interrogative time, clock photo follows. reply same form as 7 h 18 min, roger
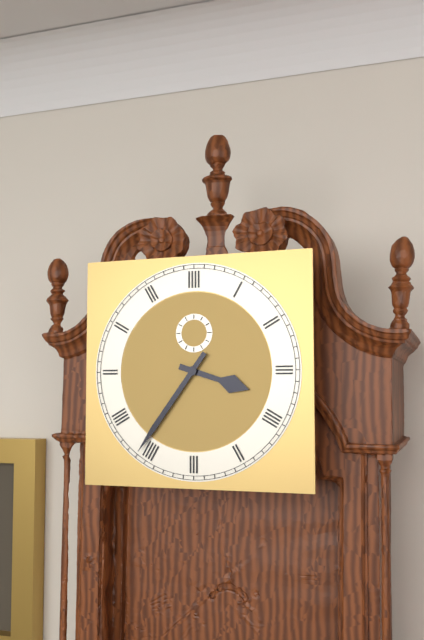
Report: 3 h 36 min
